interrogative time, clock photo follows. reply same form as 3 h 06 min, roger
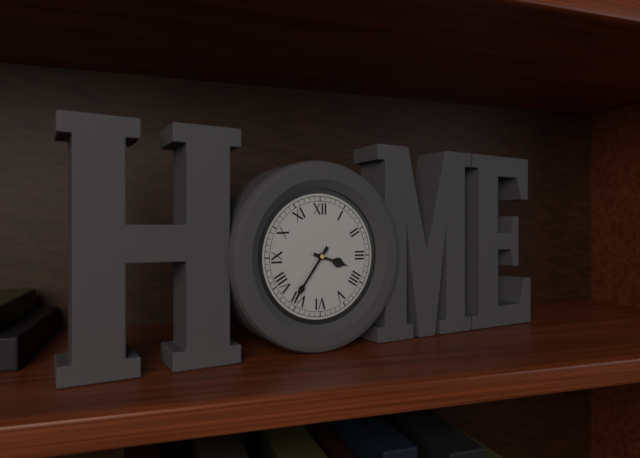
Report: 3 h 36 min
